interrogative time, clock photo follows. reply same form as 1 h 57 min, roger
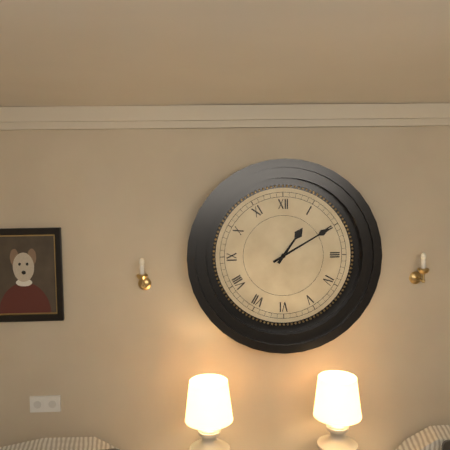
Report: 1 h 10 min
